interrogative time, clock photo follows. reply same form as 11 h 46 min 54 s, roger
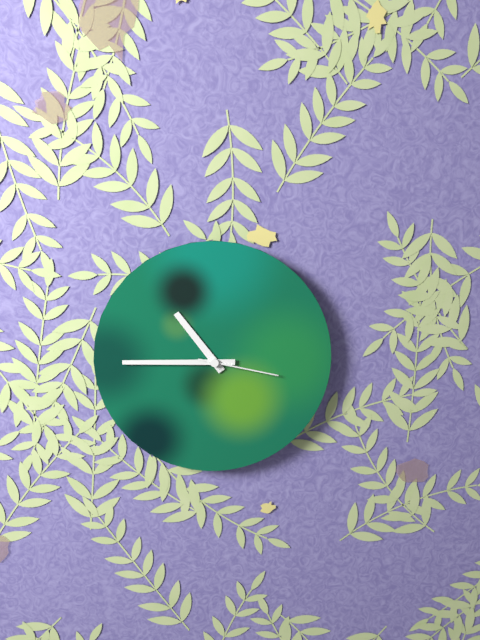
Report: 10 h 45 min 17 s
